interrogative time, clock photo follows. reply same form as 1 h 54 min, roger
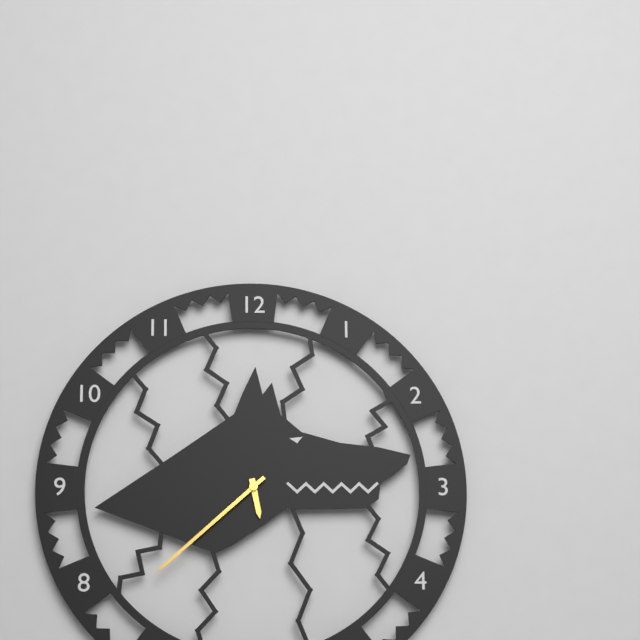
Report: 5 h 38 min
